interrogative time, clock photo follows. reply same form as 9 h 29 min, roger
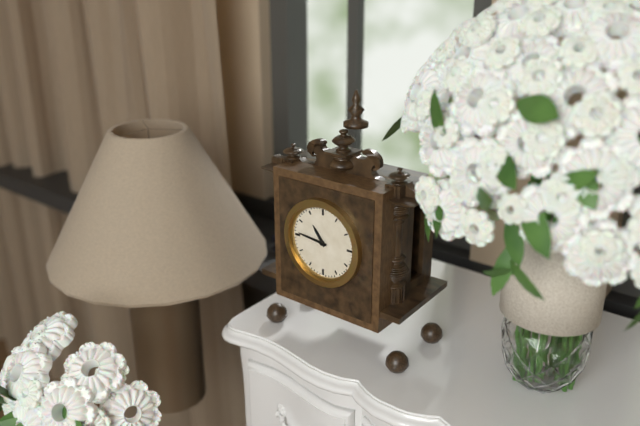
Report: 10 h 46 min
